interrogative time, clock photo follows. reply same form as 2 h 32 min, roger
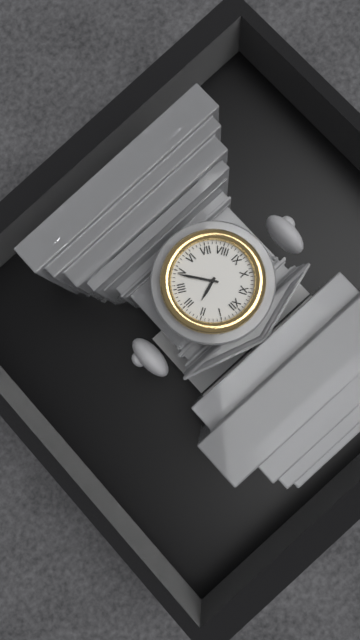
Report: 2 h 24 min
